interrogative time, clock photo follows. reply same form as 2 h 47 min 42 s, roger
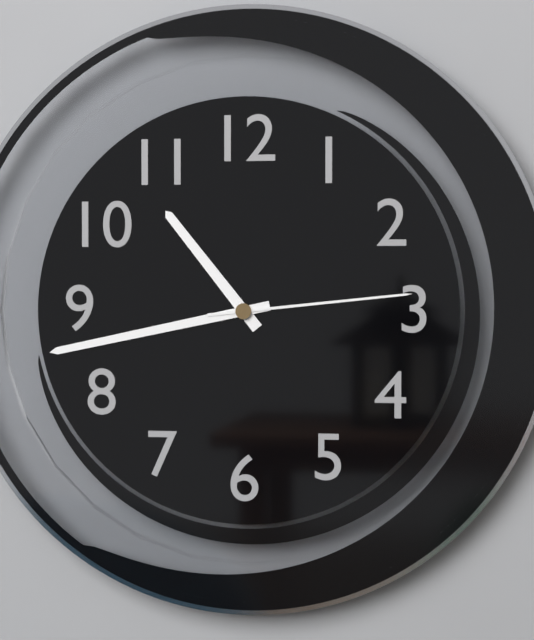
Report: 10 h 43 min 14 s
